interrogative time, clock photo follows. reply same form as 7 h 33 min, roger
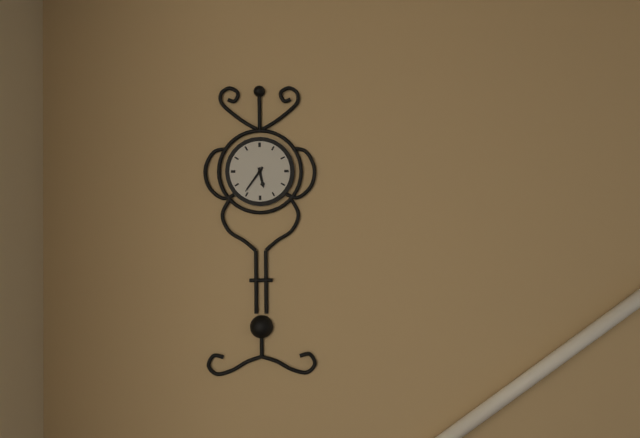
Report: 5 h 36 min
